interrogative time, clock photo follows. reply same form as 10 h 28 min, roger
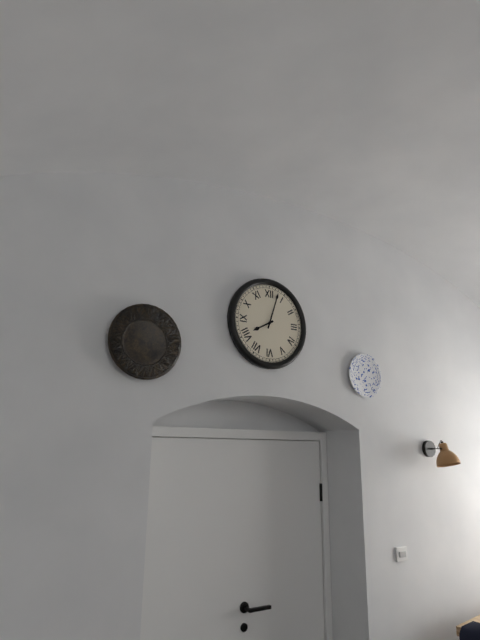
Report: 8 h 03 min
